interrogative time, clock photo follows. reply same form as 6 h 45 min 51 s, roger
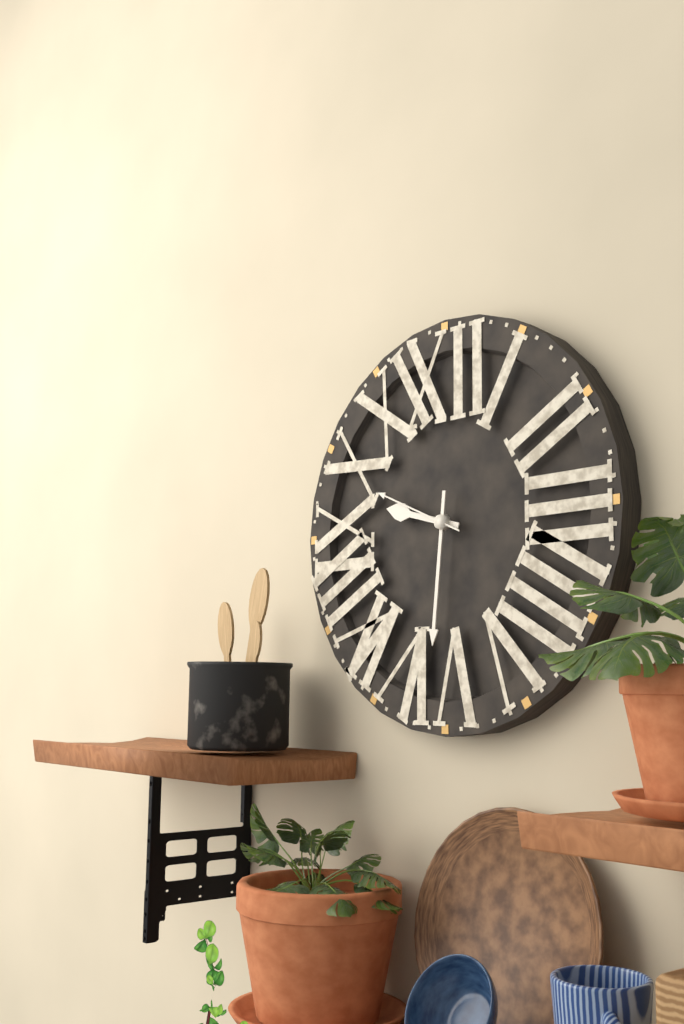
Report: 9 h 31 min 49 s
